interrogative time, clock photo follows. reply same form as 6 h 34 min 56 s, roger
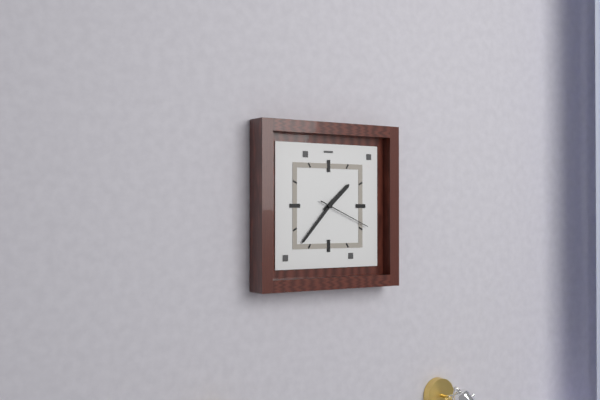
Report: 1 h 37 min 19 s
